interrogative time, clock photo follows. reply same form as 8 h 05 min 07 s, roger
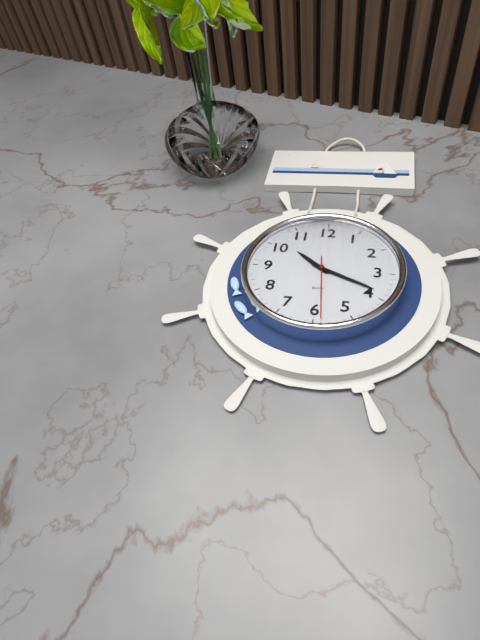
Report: 10 h 19 min 29 s
